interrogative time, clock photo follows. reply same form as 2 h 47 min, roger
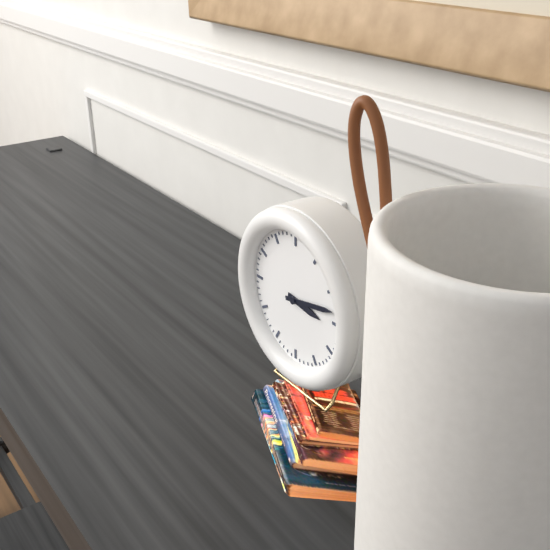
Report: 3 h 13 min
